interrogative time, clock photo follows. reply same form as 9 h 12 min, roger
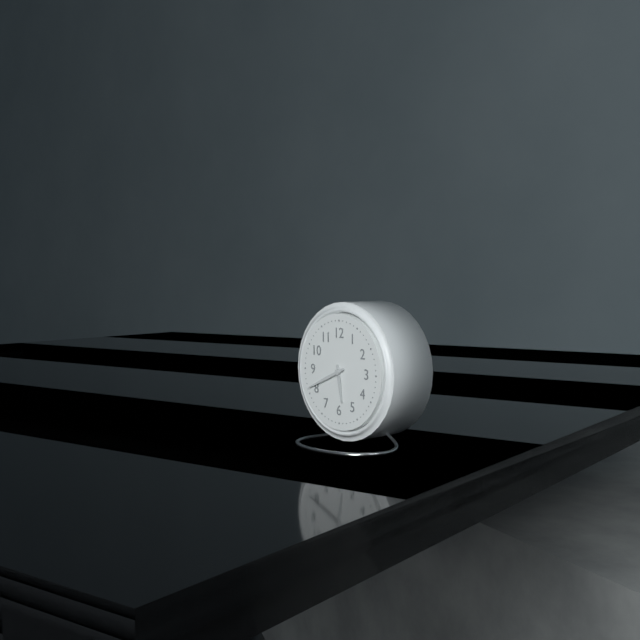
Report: 5 h 41 min
